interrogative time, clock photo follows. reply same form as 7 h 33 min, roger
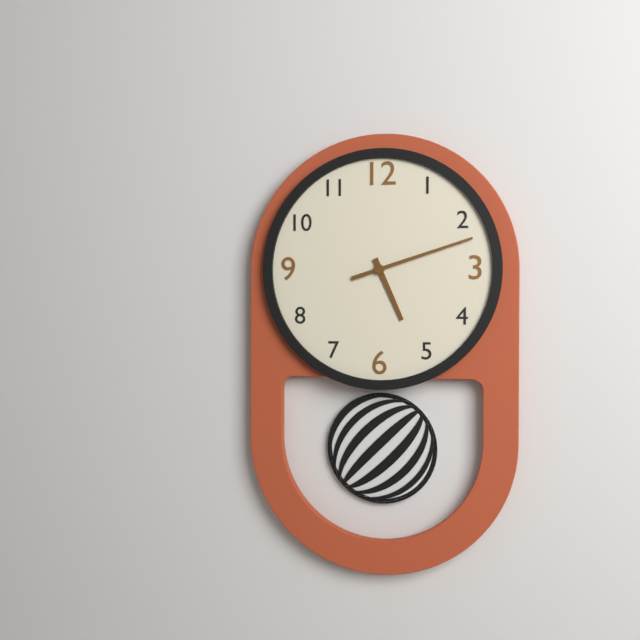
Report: 5 h 12 min
